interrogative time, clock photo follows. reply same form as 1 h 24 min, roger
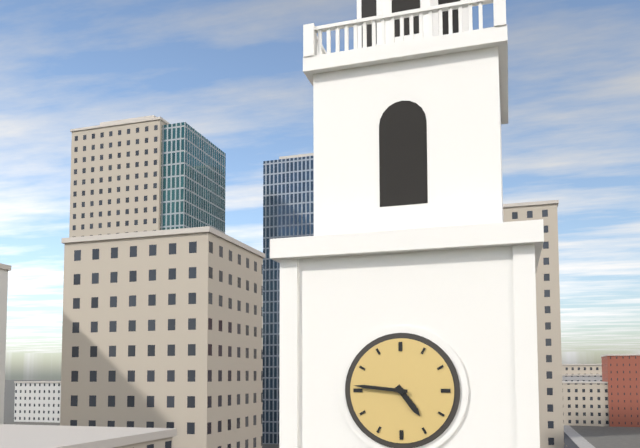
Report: 4 h 46 min
